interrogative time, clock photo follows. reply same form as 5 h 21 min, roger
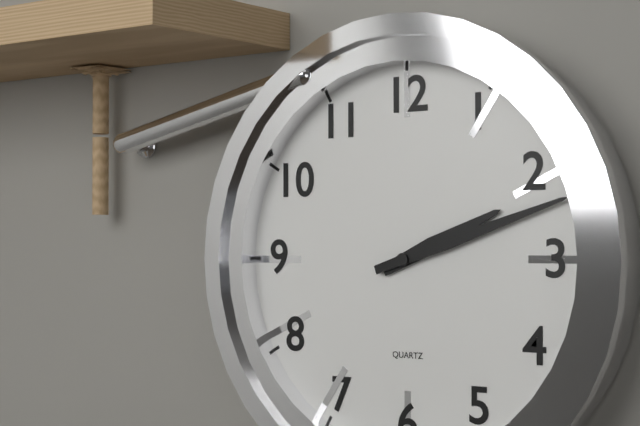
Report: 2 h 12 min
